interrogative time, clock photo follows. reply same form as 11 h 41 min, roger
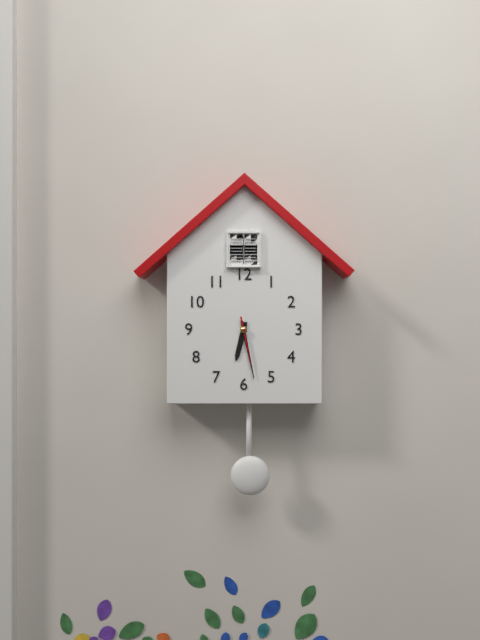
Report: 6 h 28 min
